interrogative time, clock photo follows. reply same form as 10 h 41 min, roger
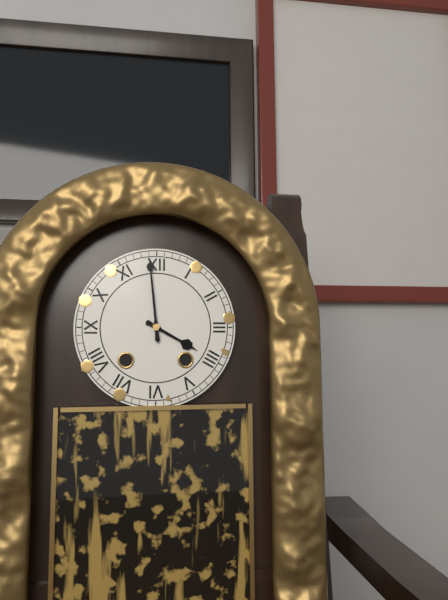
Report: 3 h 59 min
